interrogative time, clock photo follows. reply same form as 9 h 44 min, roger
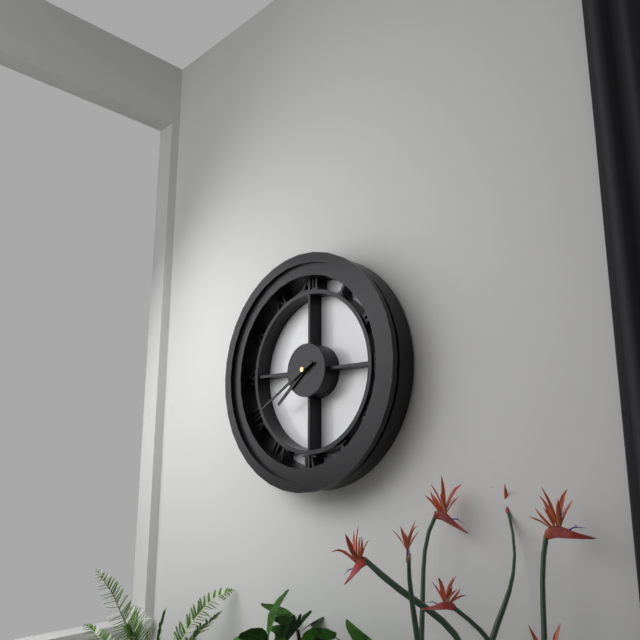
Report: 7 h 40 min
